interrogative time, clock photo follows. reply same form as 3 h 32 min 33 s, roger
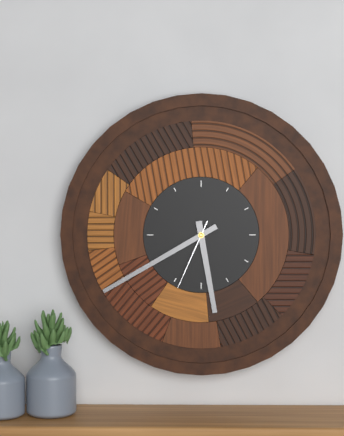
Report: 5 h 40 min 34 s
